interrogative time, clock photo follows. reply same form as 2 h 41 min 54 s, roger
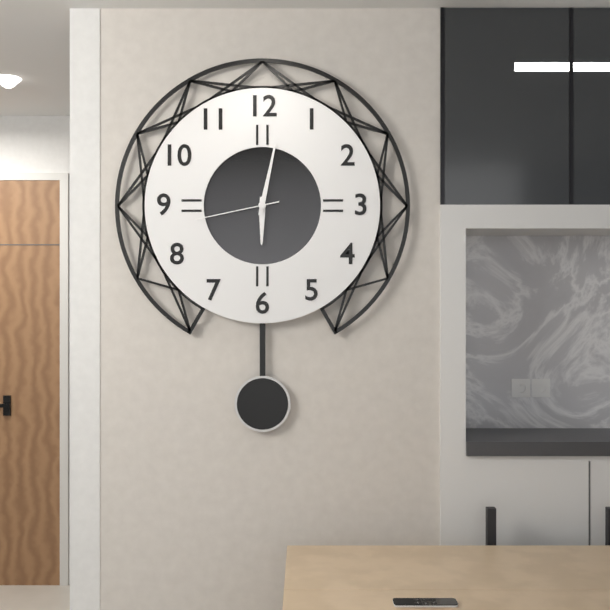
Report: 6 h 02 min 43 s
